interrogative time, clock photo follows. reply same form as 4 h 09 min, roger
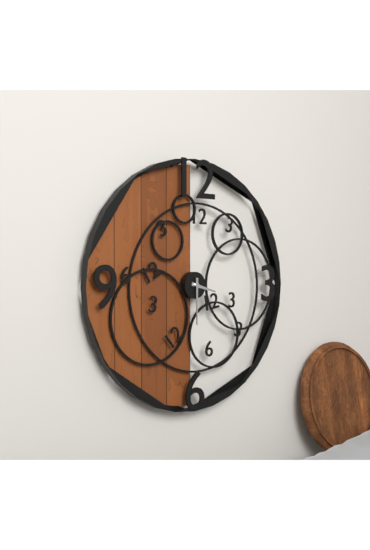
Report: 3 h 30 min
